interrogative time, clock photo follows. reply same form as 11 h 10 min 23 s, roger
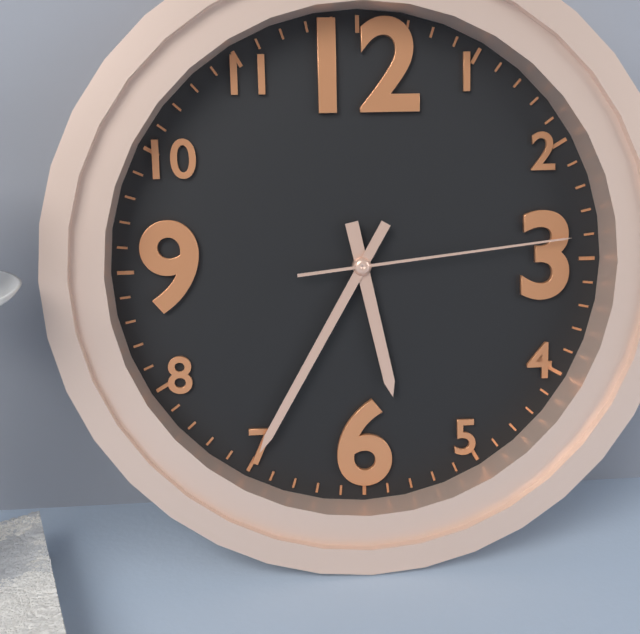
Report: 5 h 35 min 14 s
